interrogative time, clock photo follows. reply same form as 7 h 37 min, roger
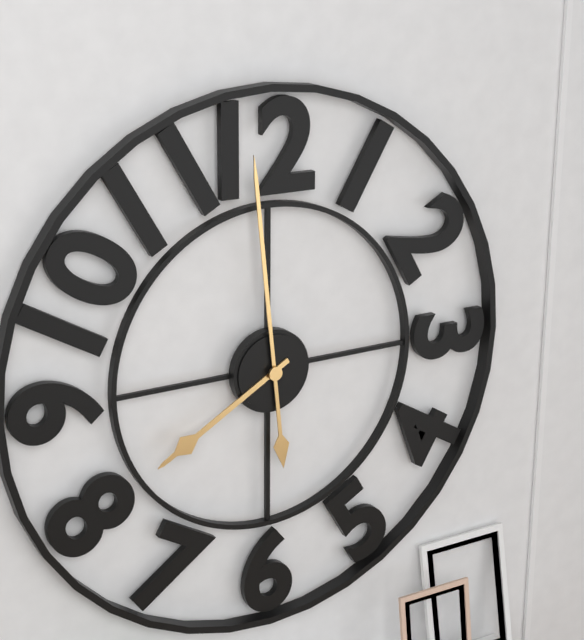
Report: 7 h 59 min
